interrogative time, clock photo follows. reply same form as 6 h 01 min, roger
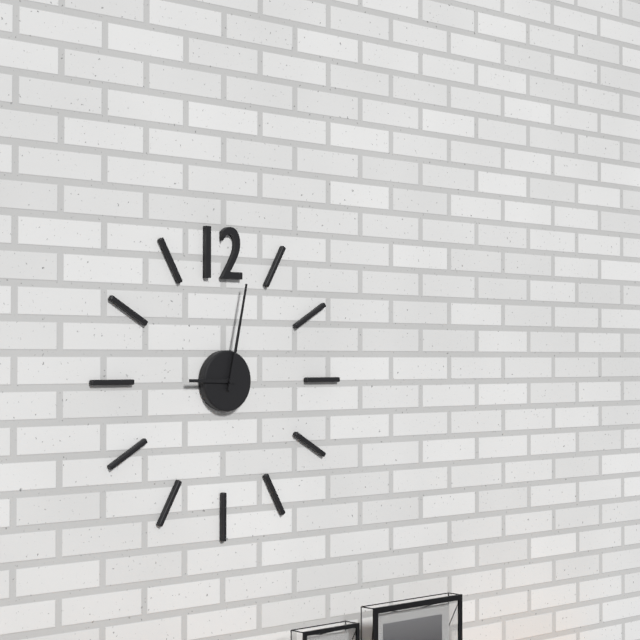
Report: 9 h 02 min
